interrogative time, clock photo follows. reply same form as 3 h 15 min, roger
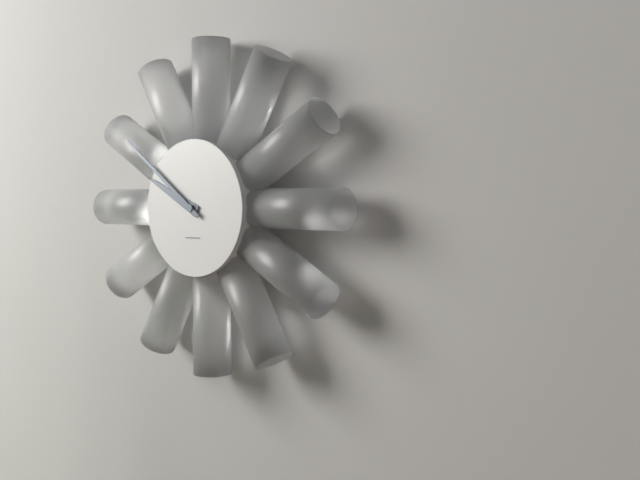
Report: 9 h 51 min
